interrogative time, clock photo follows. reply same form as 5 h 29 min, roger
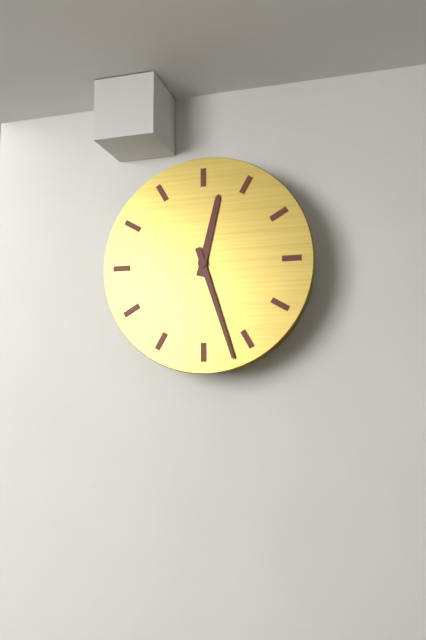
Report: 12 h 27 min
